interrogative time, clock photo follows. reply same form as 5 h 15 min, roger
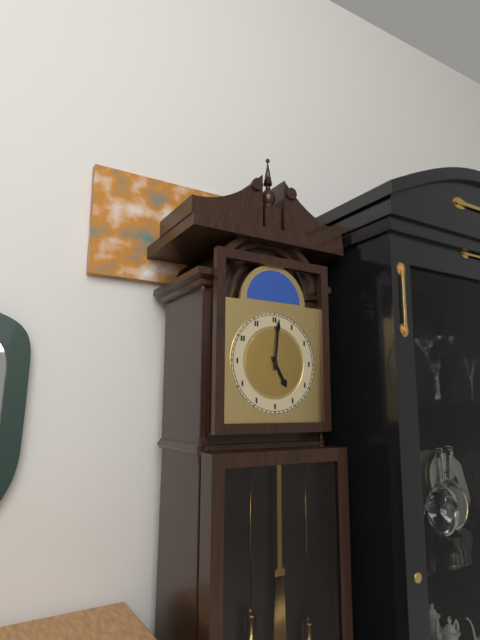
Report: 5 h 01 min
